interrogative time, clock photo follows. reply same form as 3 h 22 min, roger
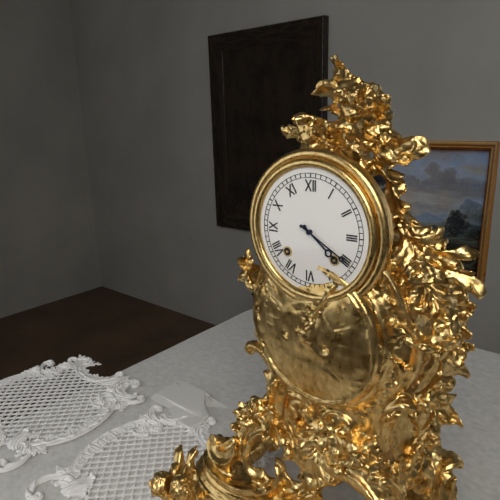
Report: 4 h 20 min
